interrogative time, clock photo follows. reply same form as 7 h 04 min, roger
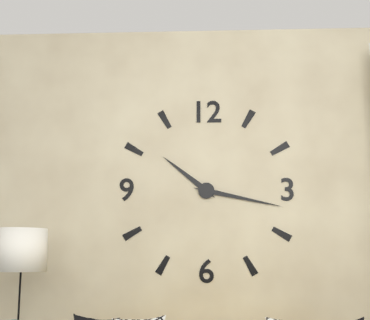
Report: 10 h 17 min
